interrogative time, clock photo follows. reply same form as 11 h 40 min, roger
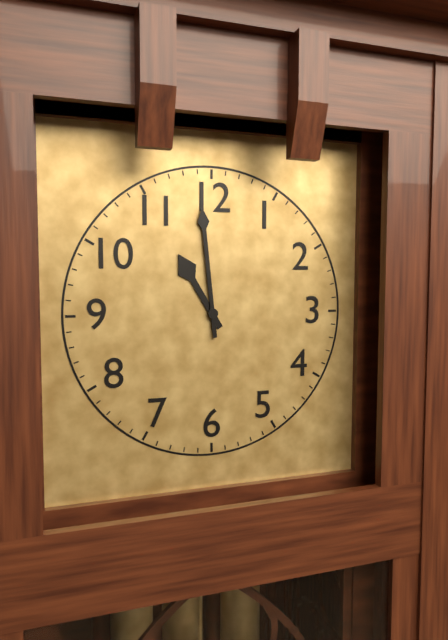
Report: 10 h 59 min
